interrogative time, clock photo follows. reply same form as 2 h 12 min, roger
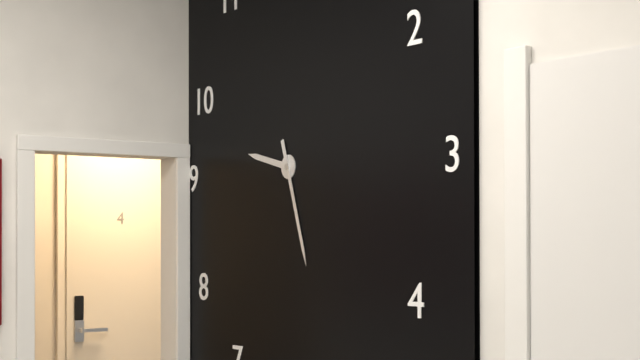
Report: 9 h 27 min
